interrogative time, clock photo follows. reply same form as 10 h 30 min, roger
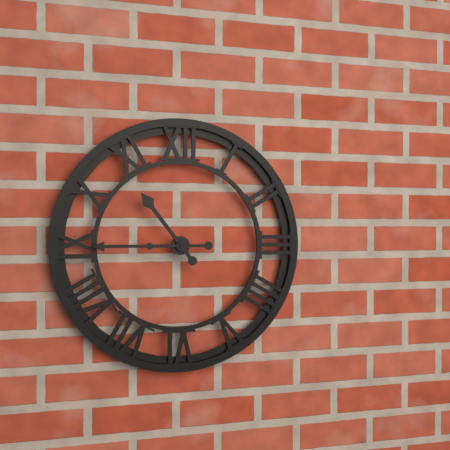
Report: 10 h 45 min
